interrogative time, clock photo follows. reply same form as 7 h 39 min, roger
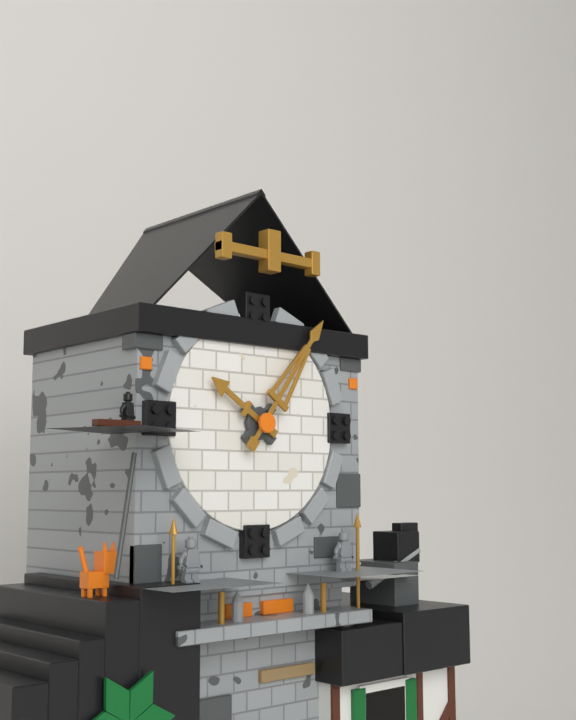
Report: 10 h 06 min
